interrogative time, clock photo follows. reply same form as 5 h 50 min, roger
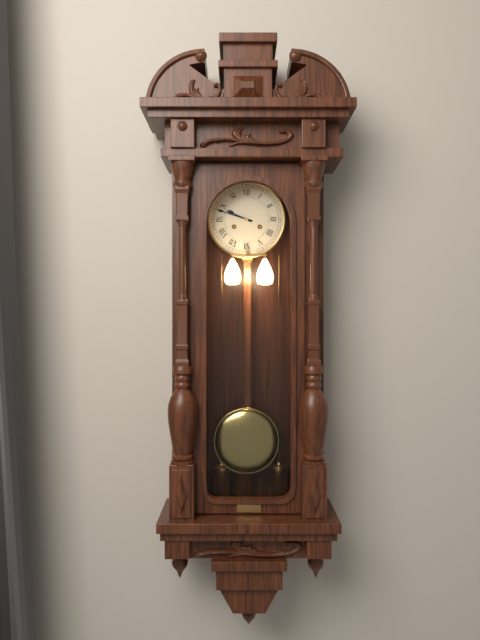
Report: 9 h 48 min
